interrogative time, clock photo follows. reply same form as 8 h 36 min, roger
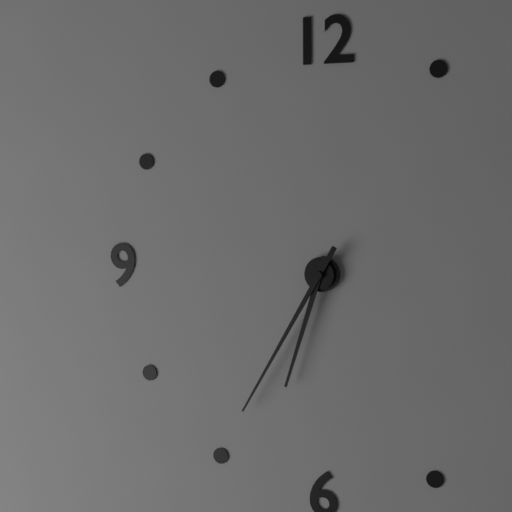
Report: 6 h 35 min
